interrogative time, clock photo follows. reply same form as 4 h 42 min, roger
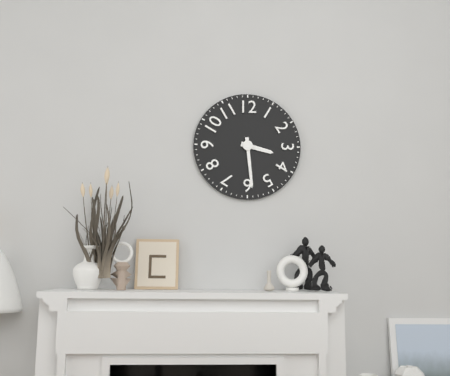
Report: 3 h 29 min
